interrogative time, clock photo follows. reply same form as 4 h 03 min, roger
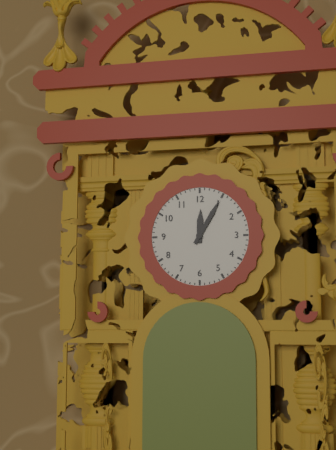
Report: 12 h 05 min
